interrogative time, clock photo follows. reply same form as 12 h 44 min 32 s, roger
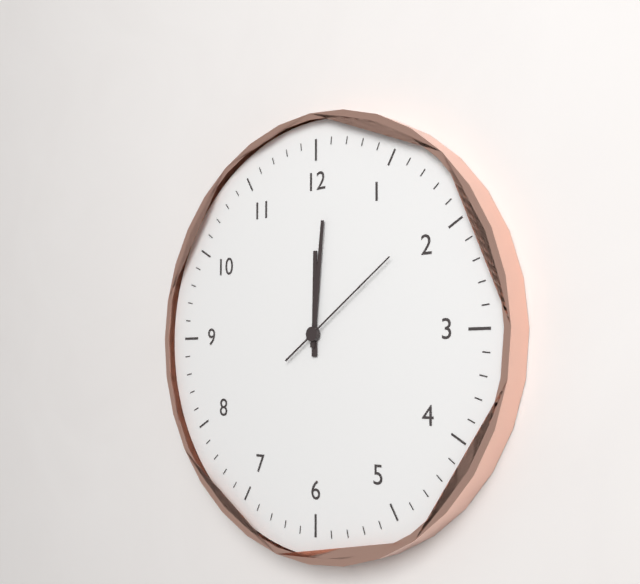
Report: 12 h 01 min 09 s
